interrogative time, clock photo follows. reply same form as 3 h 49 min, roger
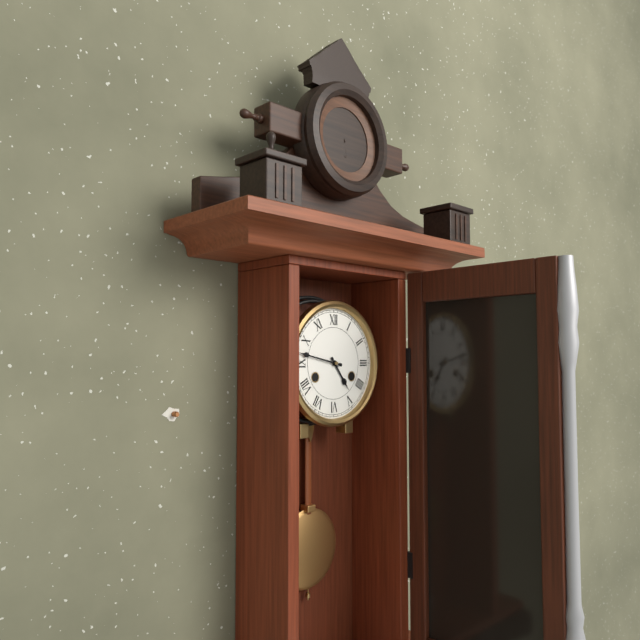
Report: 4 h 47 min
